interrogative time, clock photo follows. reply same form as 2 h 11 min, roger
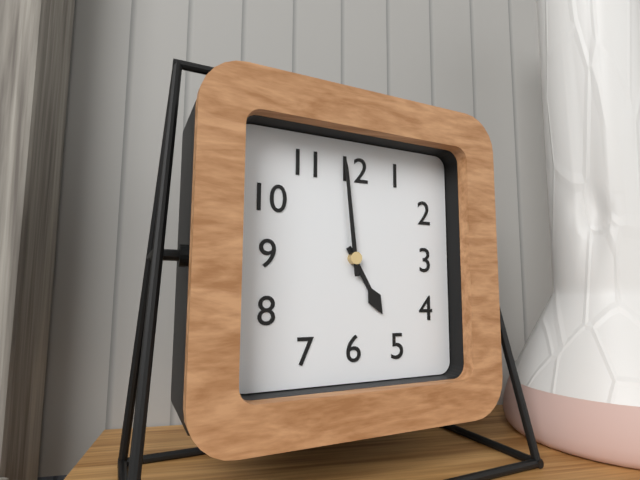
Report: 4 h 59 min
